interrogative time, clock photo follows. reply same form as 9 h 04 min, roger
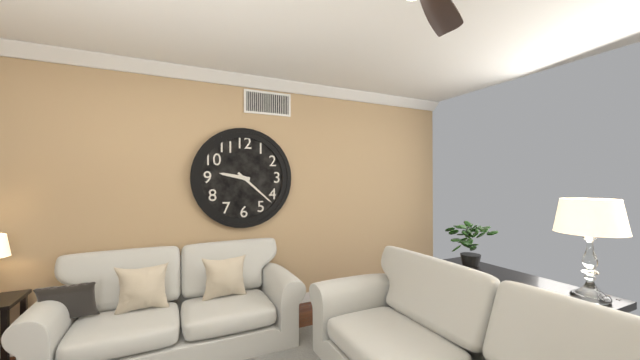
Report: 9 h 22 min
